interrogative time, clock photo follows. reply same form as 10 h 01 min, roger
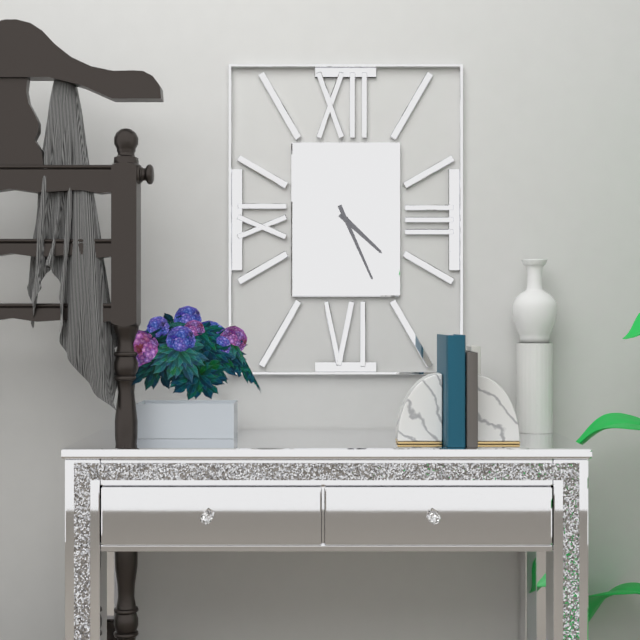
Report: 4 h 26 min
